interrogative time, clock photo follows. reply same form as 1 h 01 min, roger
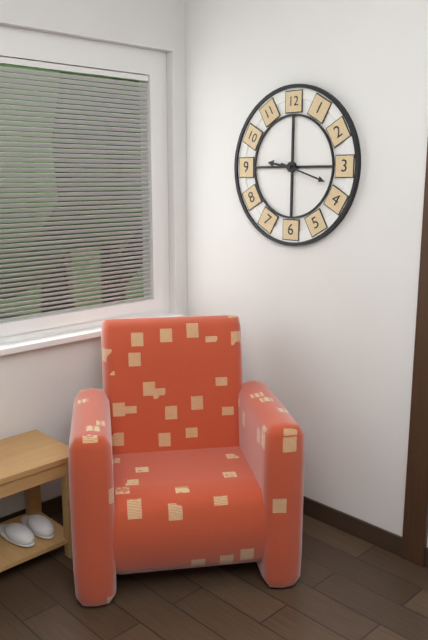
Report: 9 h 18 min
